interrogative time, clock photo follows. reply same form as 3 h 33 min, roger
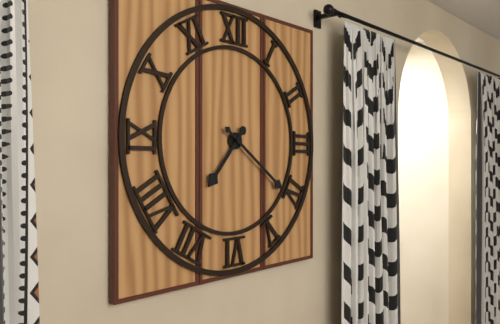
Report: 7 h 21 min
